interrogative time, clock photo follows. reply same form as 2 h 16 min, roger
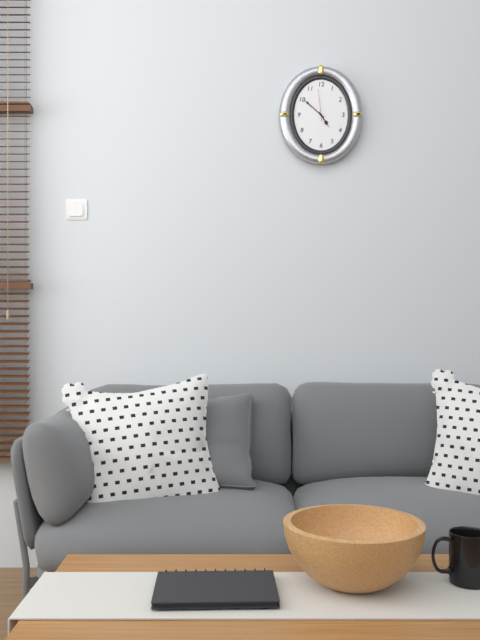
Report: 4 h 52 min
